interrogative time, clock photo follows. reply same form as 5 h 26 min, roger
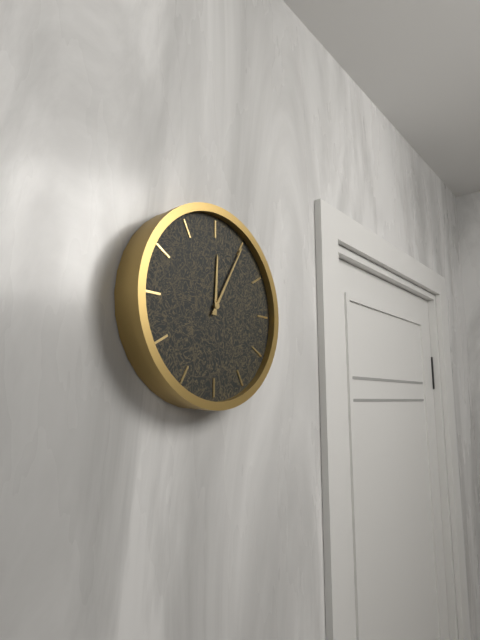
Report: 12 h 05 min
